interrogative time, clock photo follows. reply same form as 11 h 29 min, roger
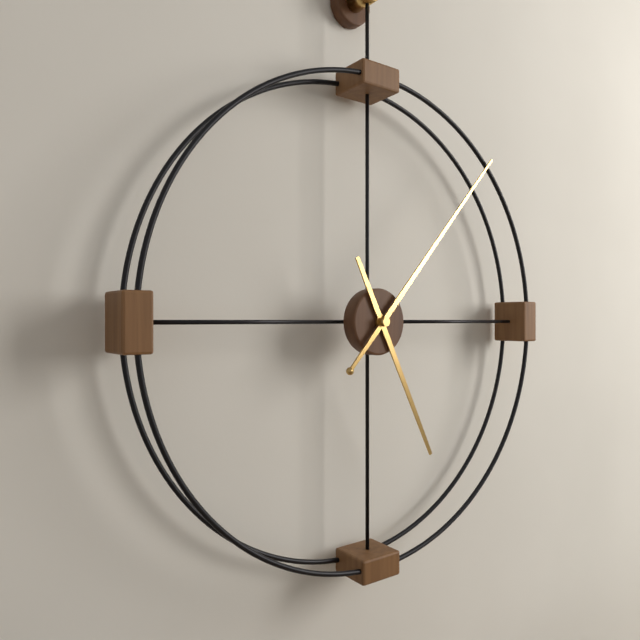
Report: 5 h 07 min
